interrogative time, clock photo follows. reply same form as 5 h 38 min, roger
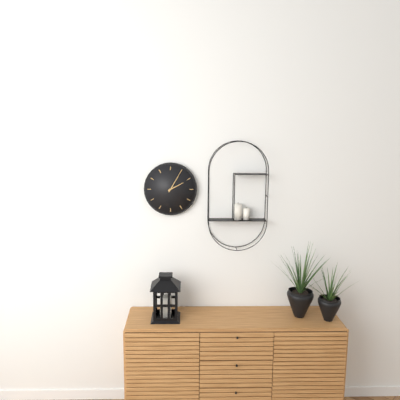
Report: 2 h 05 min
